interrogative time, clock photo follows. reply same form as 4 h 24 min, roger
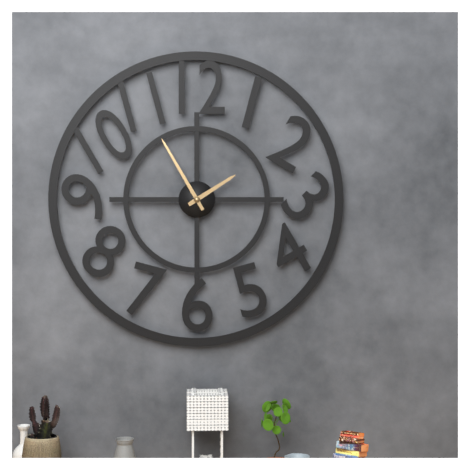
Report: 1 h 55 min
